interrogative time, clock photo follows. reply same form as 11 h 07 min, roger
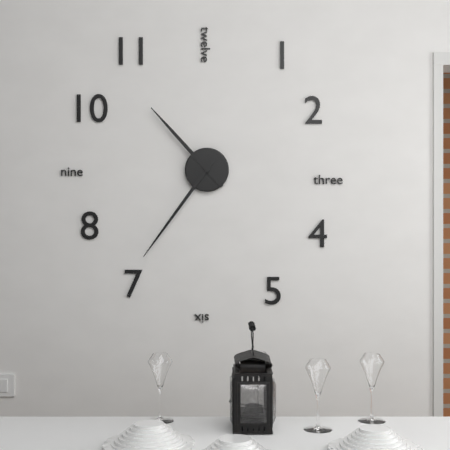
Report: 10 h 36 min
